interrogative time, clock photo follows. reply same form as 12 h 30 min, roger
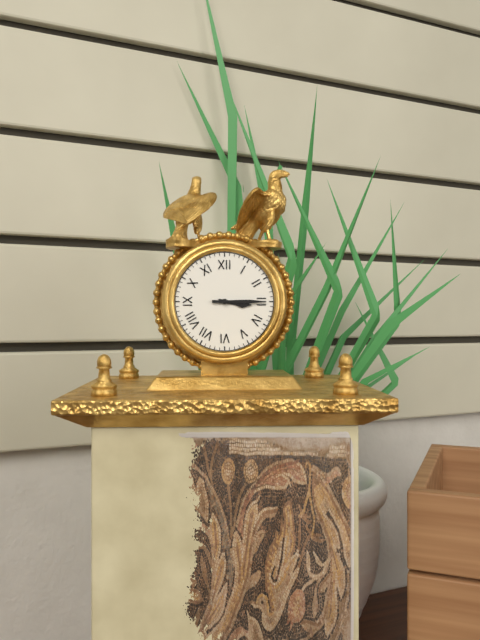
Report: 3 h 15 min
